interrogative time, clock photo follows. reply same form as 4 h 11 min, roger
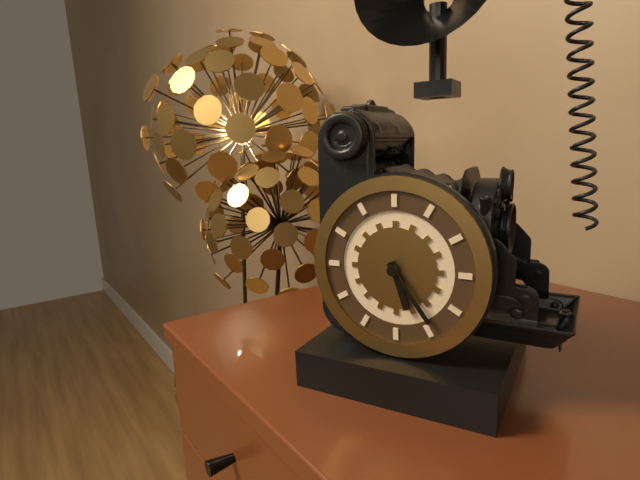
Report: 5 h 24 min
